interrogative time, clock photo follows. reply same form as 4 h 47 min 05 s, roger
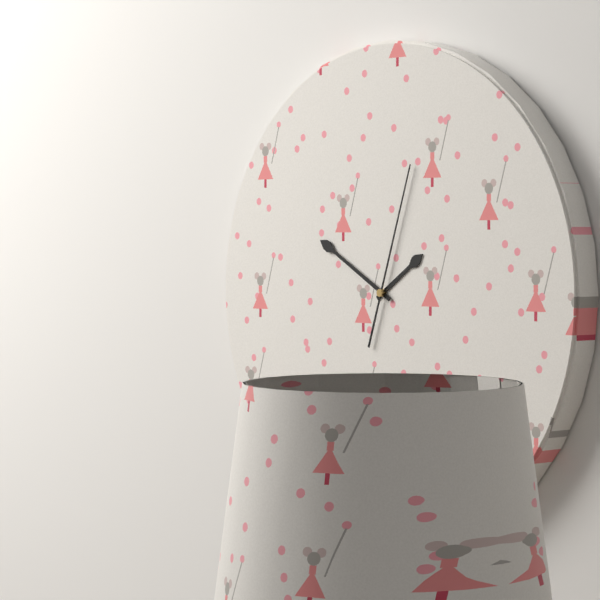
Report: 1 h 50 min 03 s
